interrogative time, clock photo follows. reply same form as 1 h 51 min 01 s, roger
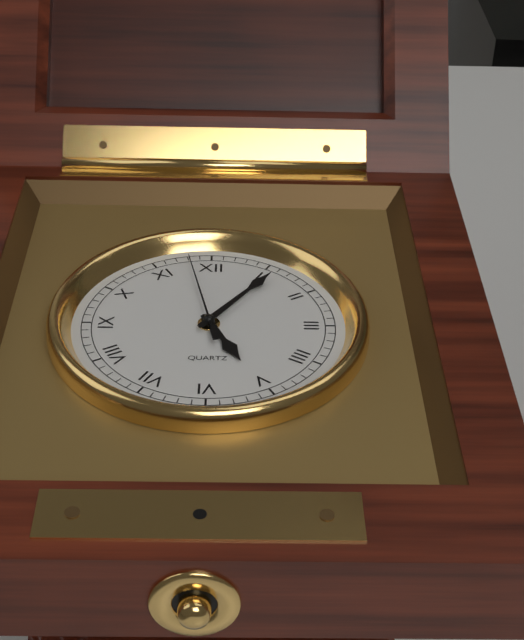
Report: 5 h 06 min 58 s
